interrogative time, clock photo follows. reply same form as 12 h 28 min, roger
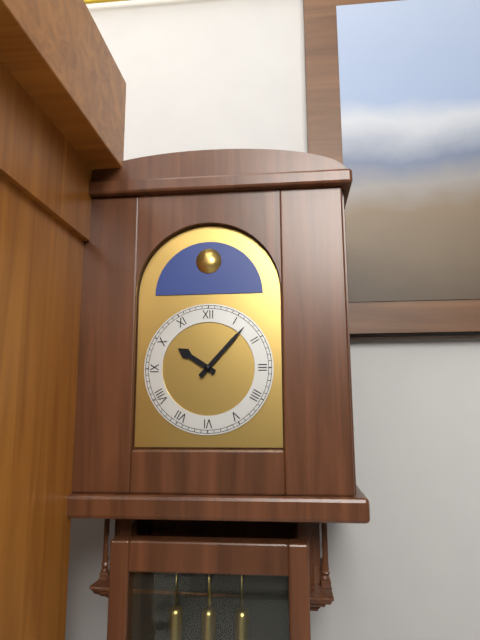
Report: 10 h 07 min
